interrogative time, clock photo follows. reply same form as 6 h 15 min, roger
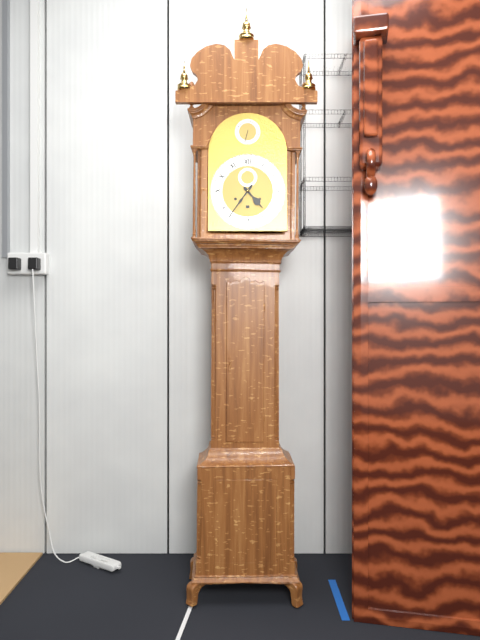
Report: 4 h 36 min
